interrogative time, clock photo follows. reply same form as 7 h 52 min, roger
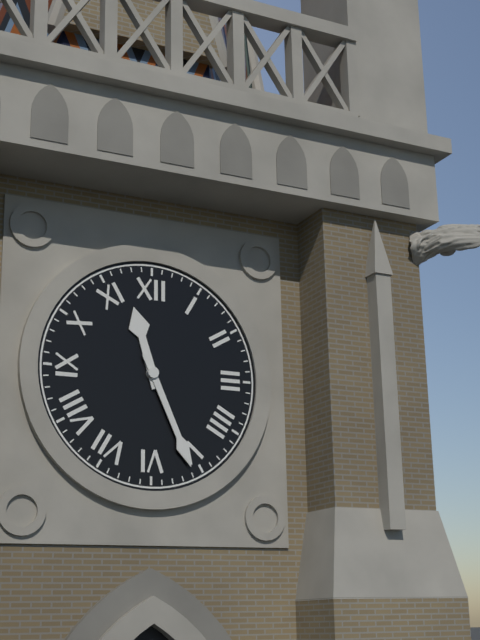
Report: 11 h 26 min
